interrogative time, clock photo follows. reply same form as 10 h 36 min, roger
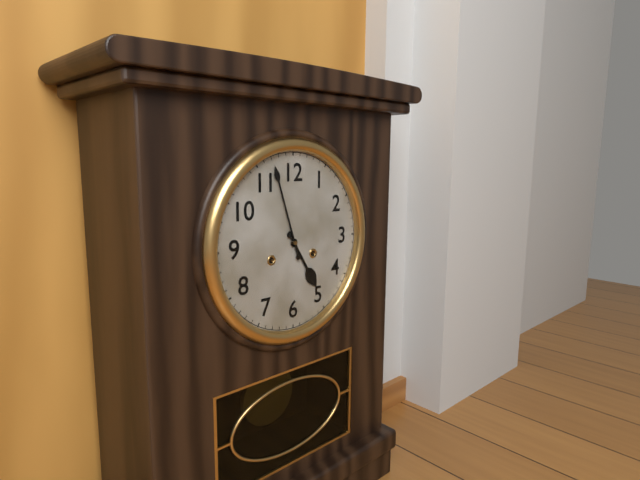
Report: 4 h 57 min
